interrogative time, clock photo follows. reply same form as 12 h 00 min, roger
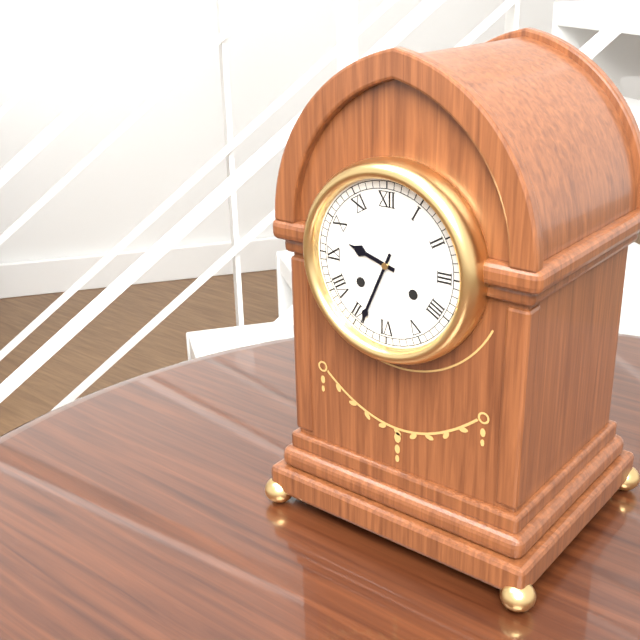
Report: 9 h 34 min
